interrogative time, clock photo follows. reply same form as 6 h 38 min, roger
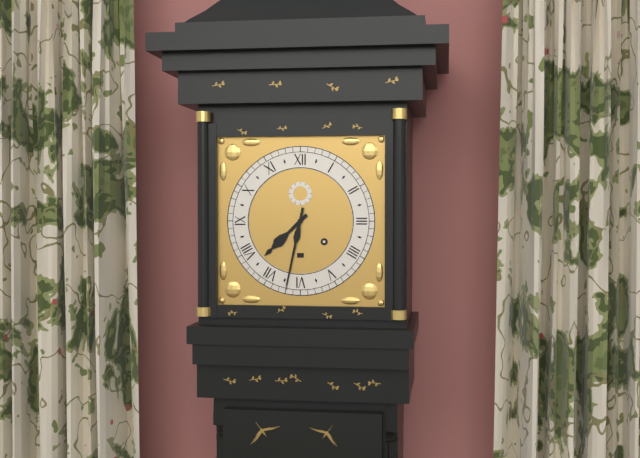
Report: 7 h 32 min
